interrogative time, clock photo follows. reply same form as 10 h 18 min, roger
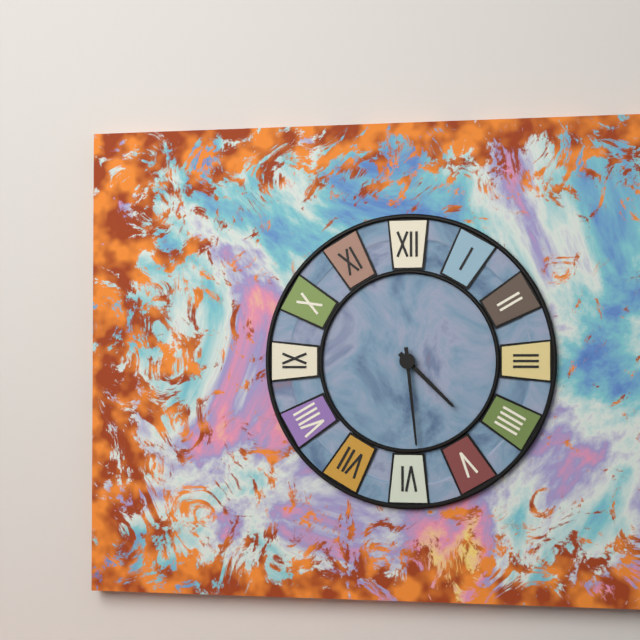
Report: 4 h 29 min
